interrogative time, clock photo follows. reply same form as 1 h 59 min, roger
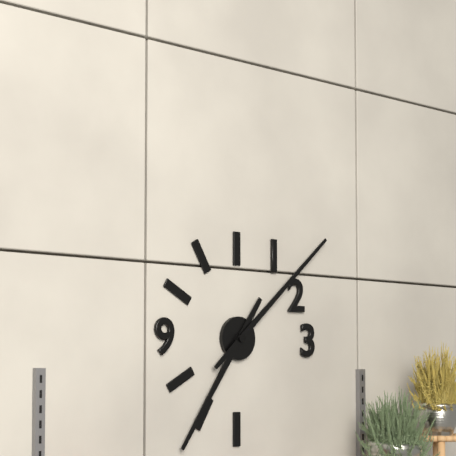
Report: 7 h 08 min
